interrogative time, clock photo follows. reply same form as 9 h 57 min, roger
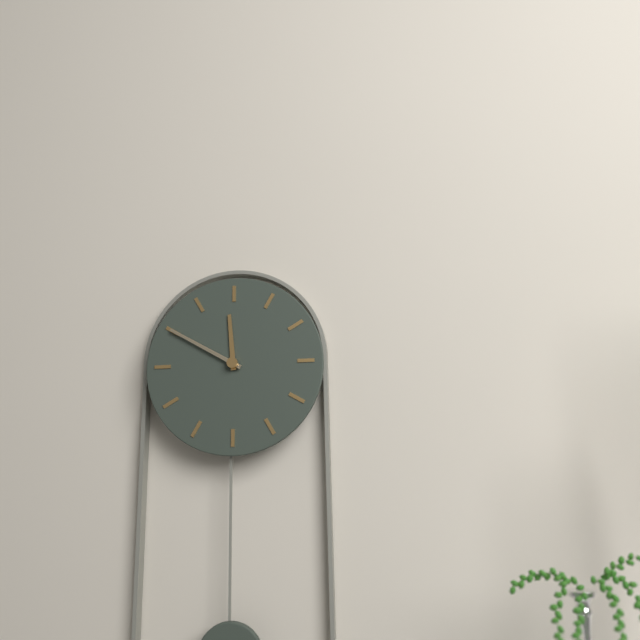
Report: 11 h 50 min
